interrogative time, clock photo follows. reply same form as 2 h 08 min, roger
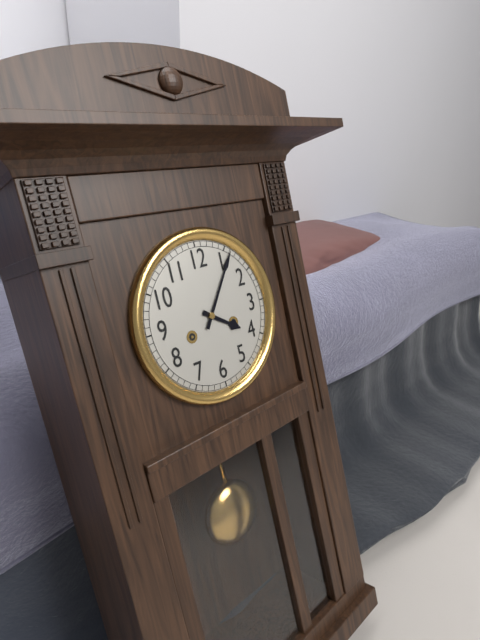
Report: 4 h 06 min
